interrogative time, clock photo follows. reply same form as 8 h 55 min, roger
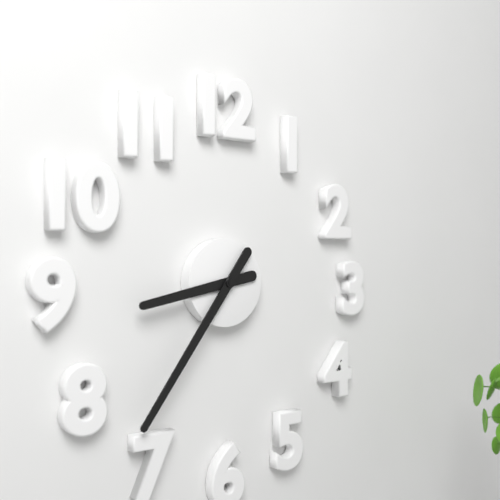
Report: 8 h 36 min
